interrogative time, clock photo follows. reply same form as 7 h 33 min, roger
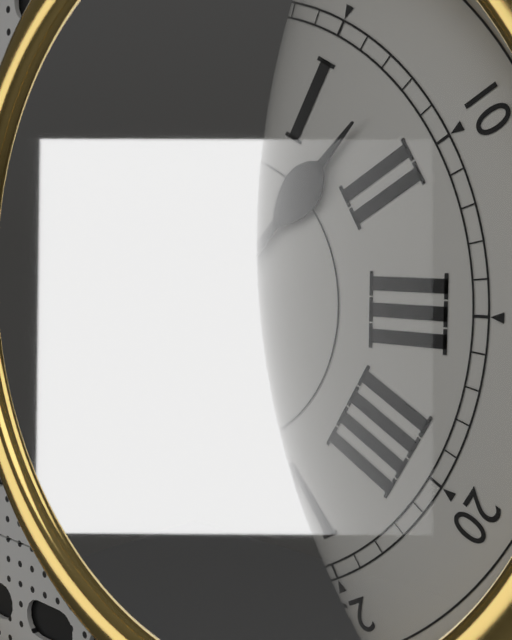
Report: 1 h 30 min
